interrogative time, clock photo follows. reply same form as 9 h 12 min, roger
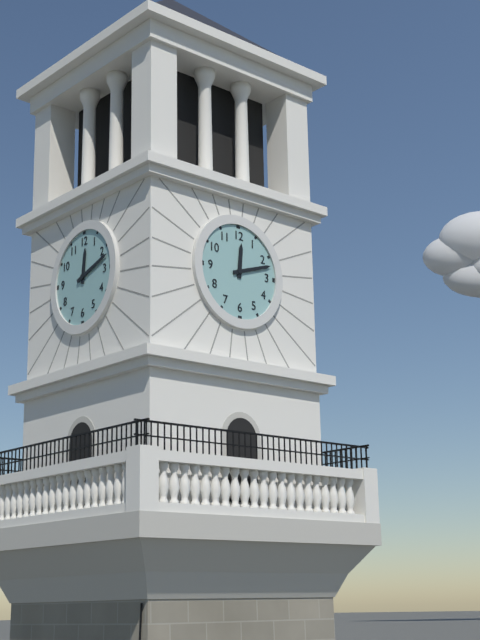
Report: 12 h 12 min
